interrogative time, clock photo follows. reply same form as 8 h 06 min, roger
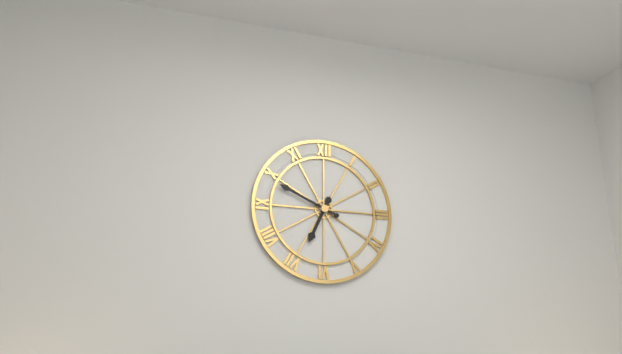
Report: 6 h 49 min
